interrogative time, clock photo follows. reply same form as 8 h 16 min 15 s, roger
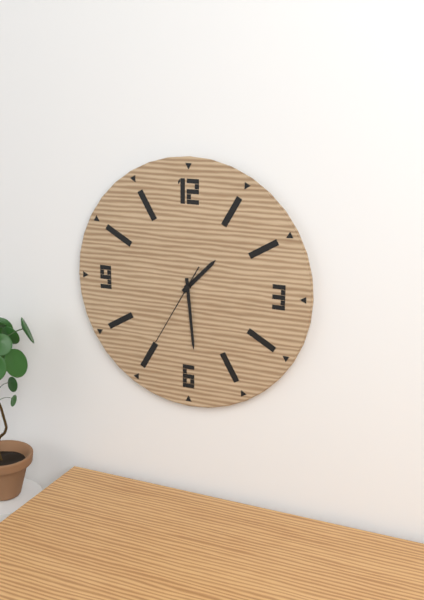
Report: 1 h 29 min 35 s
